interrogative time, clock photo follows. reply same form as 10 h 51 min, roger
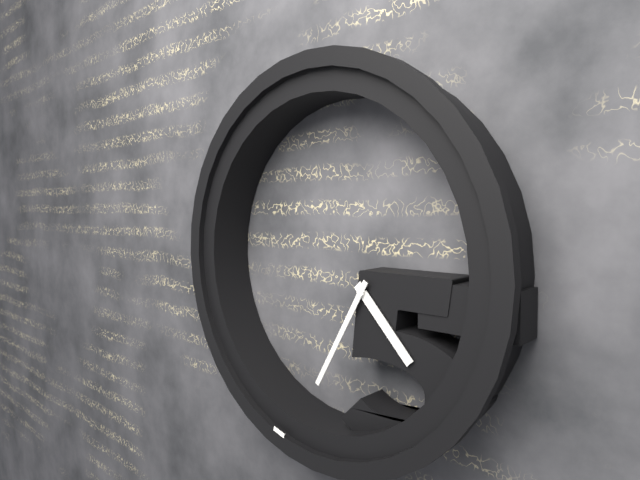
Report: 4 h 35 min
